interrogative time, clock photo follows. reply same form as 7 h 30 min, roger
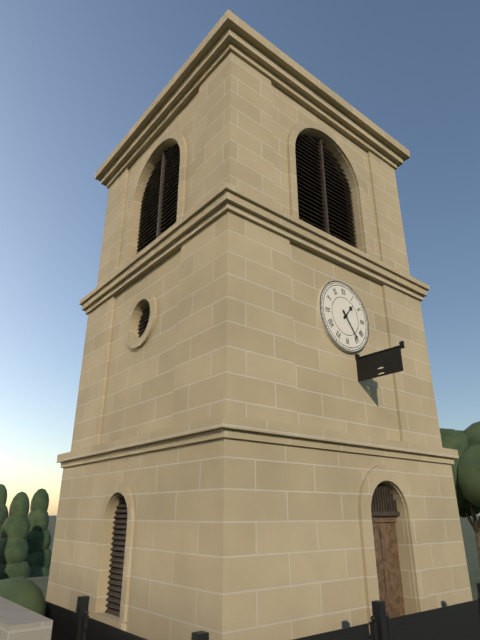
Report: 1 h 24 min
